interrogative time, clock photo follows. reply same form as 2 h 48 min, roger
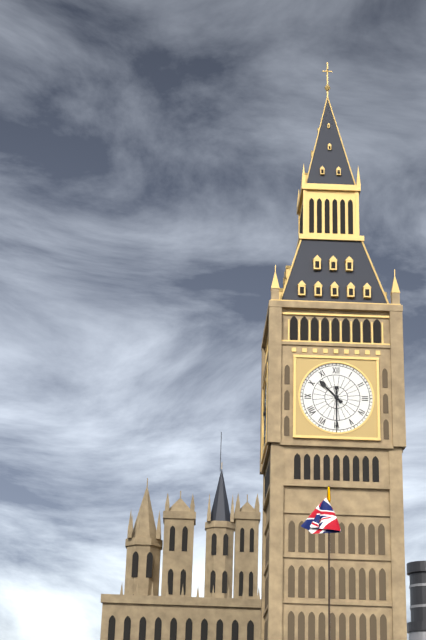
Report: 10 h 30 min
